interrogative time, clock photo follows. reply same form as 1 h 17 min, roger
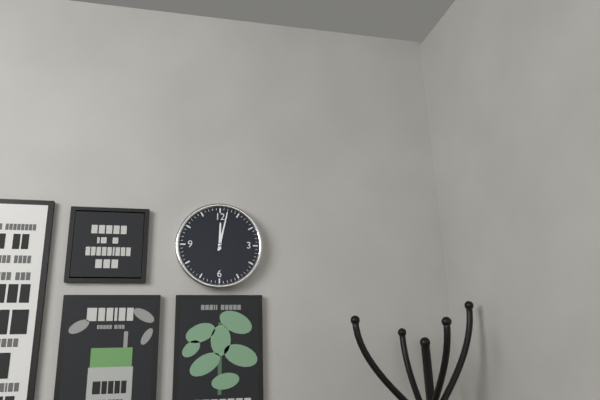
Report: 12 h 02 min
